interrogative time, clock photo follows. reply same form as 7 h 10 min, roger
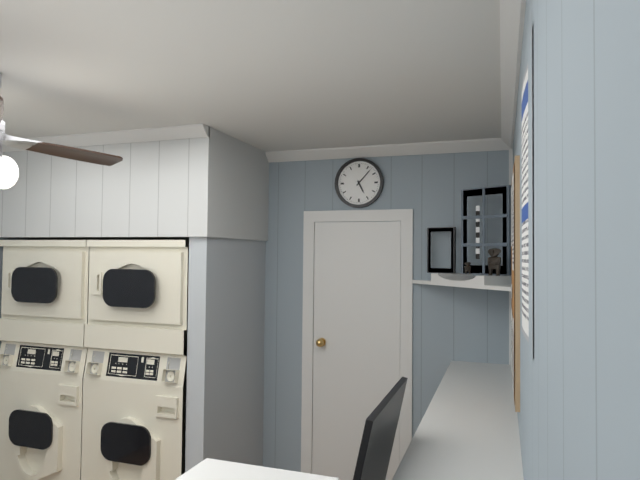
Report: 5 h 07 min
